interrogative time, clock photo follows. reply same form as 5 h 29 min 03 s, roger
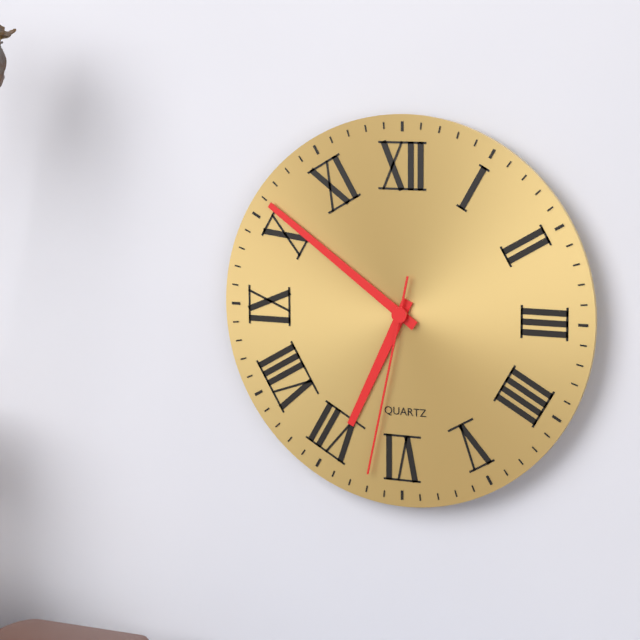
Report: 6 h 51 min 32 s
